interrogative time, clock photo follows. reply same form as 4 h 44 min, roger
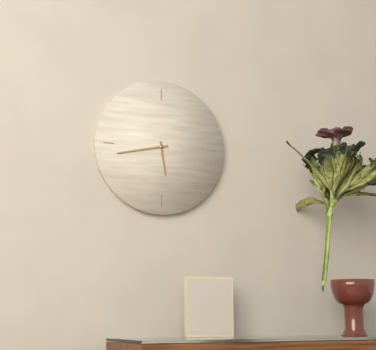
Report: 5 h 43 min
